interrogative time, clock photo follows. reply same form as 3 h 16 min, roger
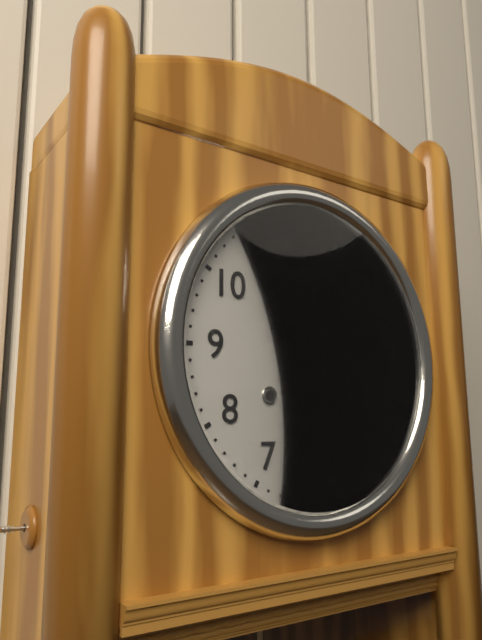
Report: 4 h 27 min
